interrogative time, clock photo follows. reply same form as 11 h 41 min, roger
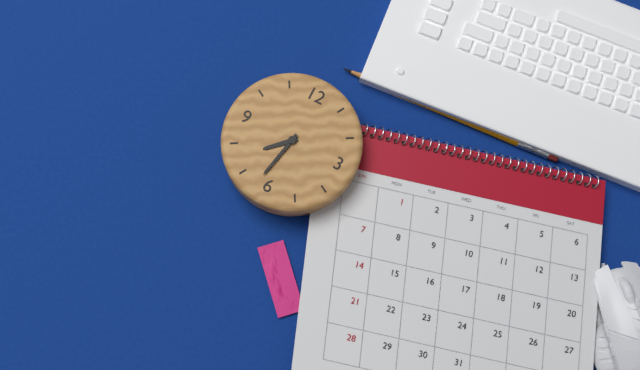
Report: 7 h 32 min
